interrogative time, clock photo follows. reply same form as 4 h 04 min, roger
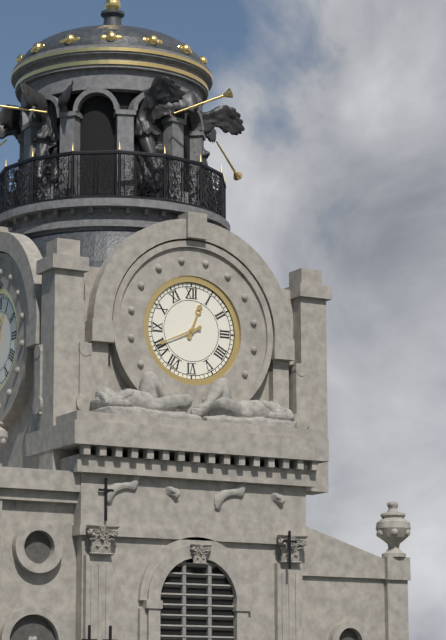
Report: 12 h 41 min
